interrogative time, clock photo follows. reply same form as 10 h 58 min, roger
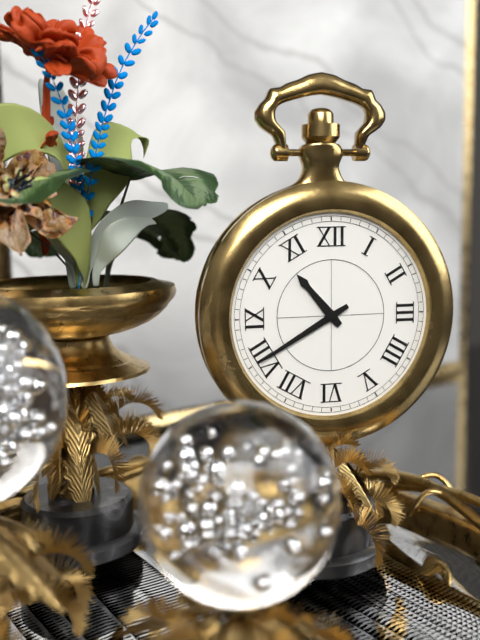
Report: 10 h 40 min
